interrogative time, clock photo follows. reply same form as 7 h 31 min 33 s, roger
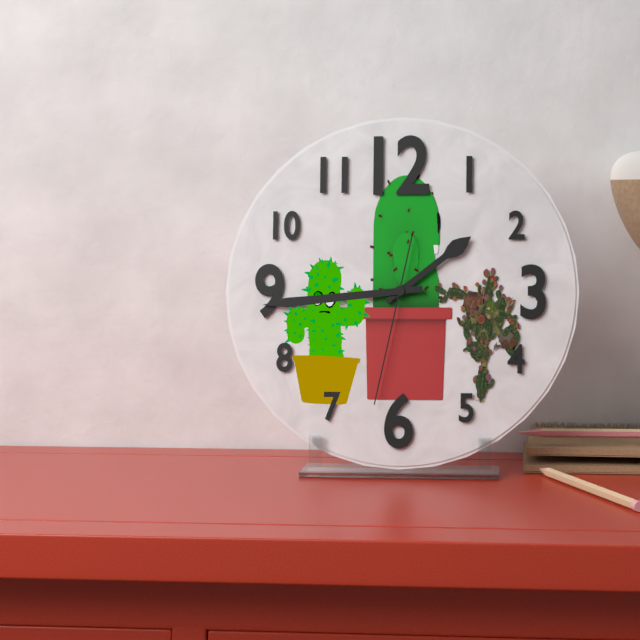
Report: 1 h 44 min 32 s
